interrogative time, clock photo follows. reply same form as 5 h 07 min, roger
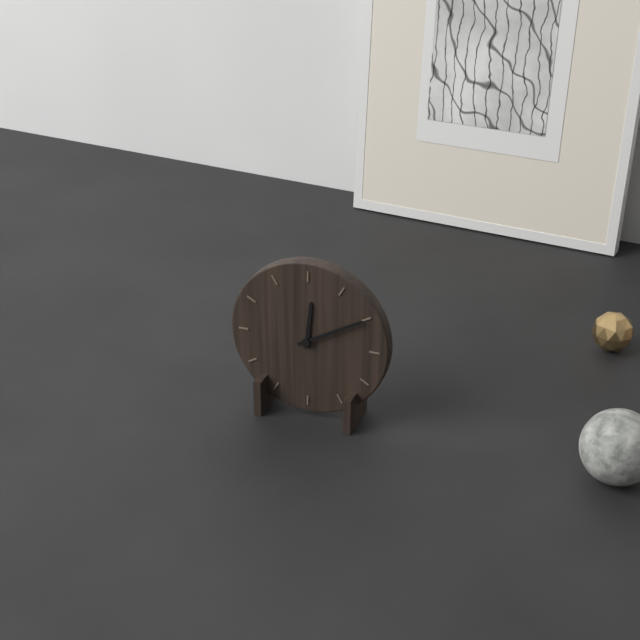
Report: 12 h 10 min
